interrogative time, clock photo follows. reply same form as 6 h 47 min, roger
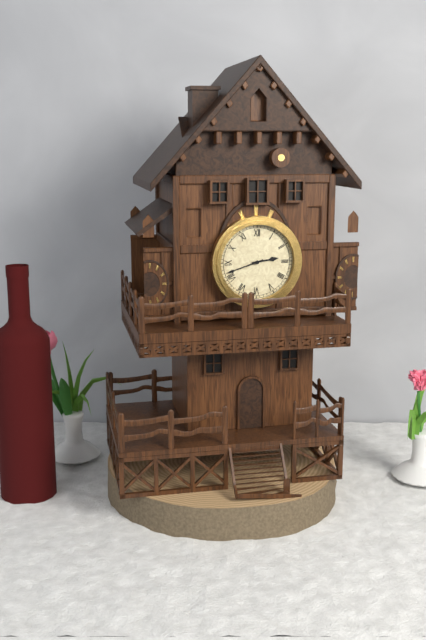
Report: 2 h 42 min
